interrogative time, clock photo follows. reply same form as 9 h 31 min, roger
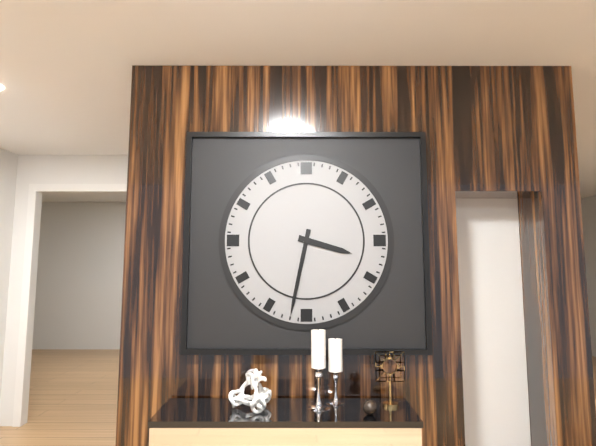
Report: 3 h 32 min
